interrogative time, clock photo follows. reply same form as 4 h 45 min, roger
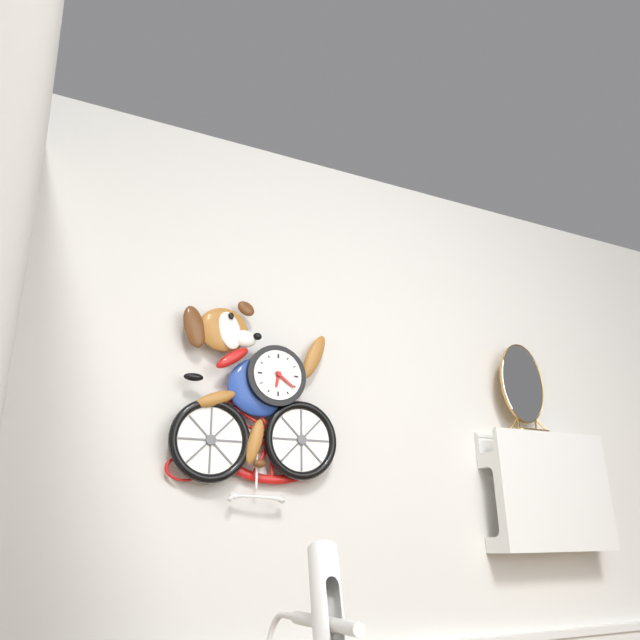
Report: 6 h 21 min
